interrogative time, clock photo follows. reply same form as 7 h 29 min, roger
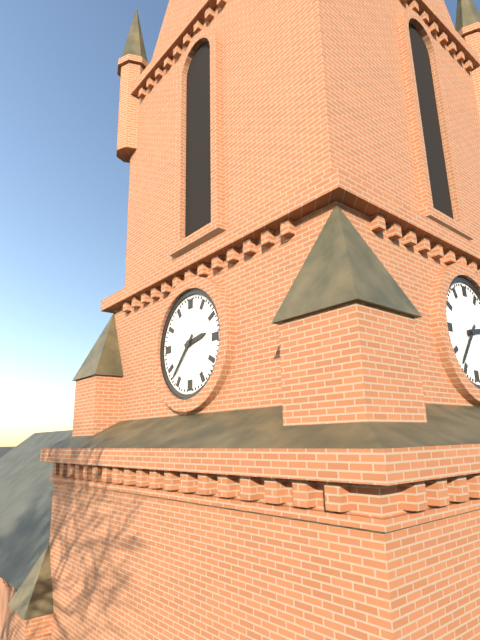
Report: 2 h 37 min
